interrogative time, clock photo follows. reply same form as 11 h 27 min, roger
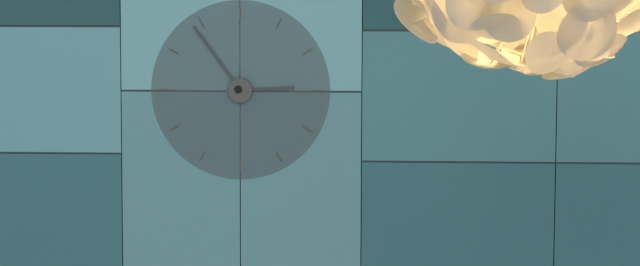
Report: 2 h 54 min
